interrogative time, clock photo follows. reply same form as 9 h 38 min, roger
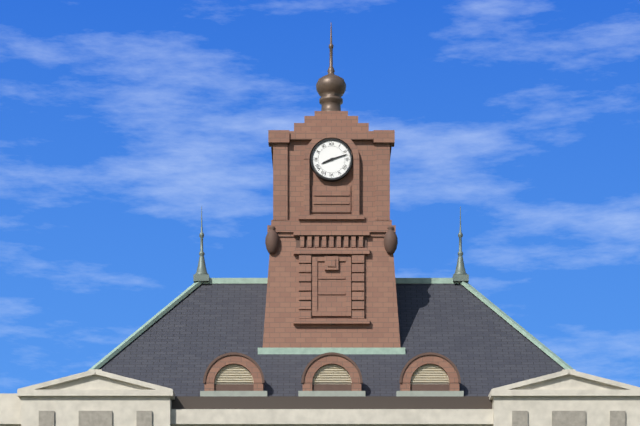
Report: 8 h 12 min
